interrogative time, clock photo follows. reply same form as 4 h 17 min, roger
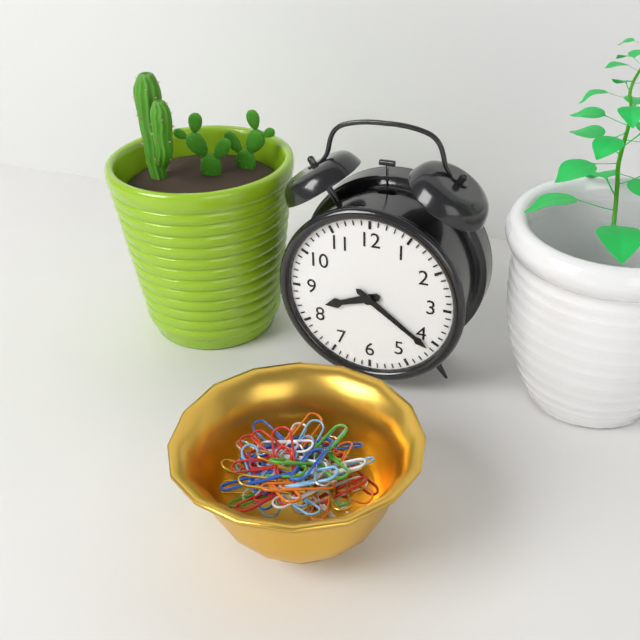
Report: 8 h 21 min
